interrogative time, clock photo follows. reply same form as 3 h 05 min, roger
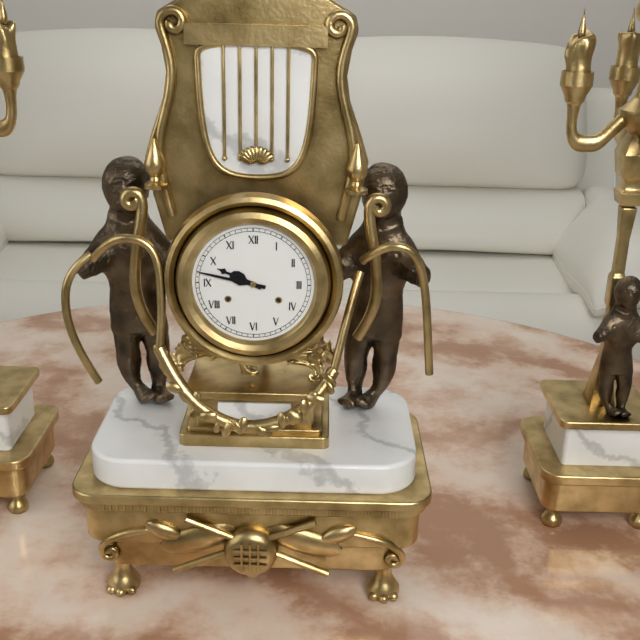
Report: 9 h 47 min
